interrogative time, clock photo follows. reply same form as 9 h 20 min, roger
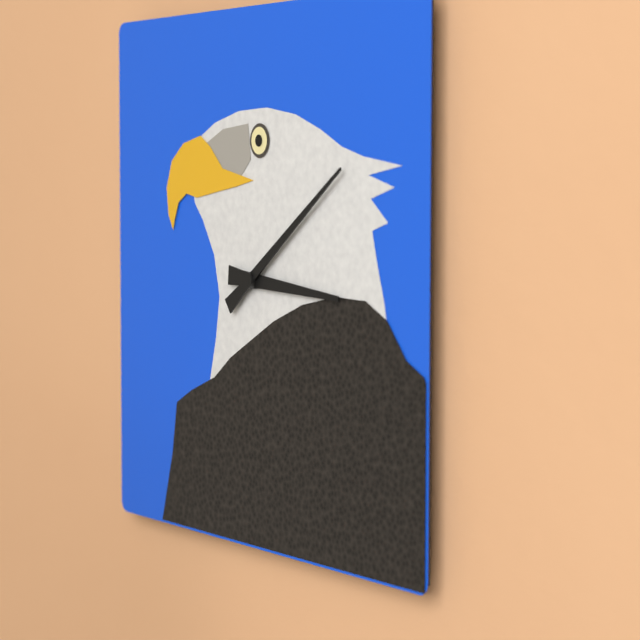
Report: 3 h 09 min
